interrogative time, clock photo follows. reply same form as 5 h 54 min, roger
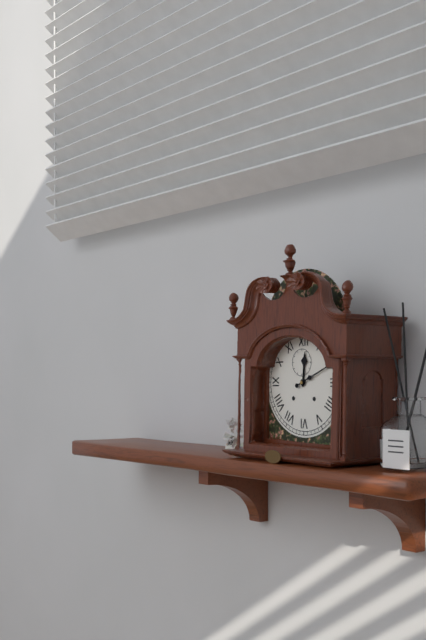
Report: 12 h 11 min
